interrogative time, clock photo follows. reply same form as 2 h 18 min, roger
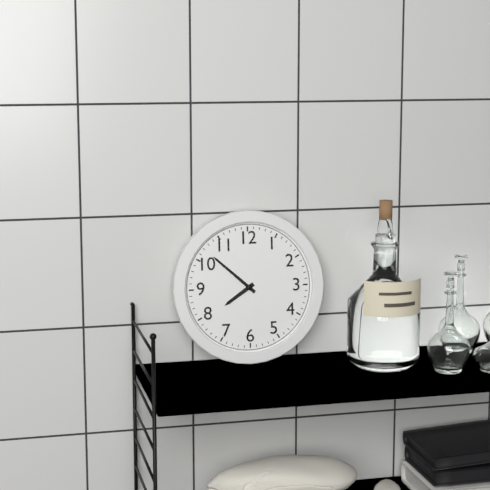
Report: 7 h 52 min
